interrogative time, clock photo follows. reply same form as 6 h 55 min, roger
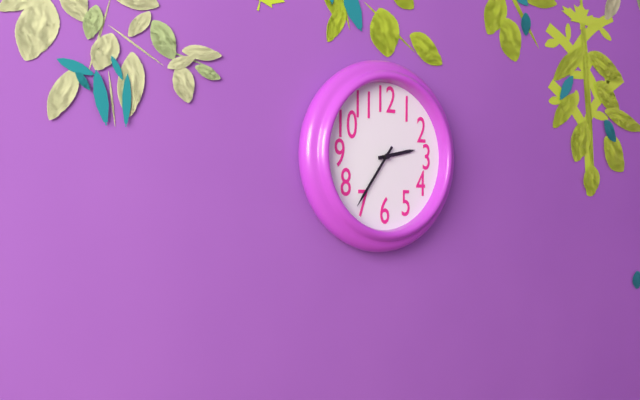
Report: 2 h 36 min
